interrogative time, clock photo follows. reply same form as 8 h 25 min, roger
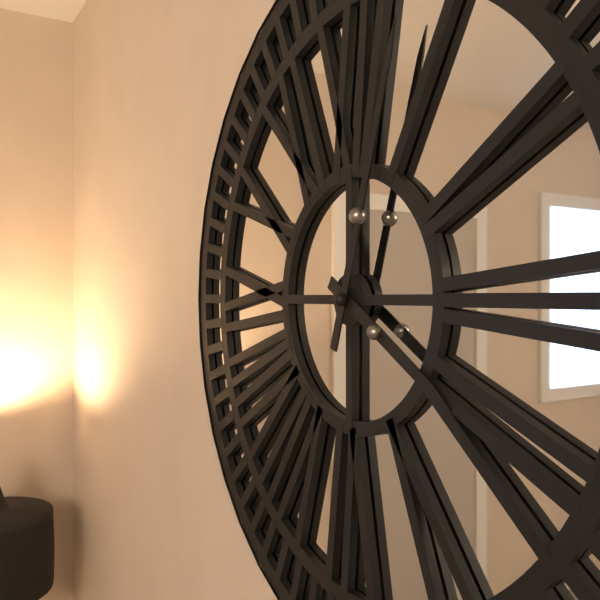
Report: 4 h 03 min
